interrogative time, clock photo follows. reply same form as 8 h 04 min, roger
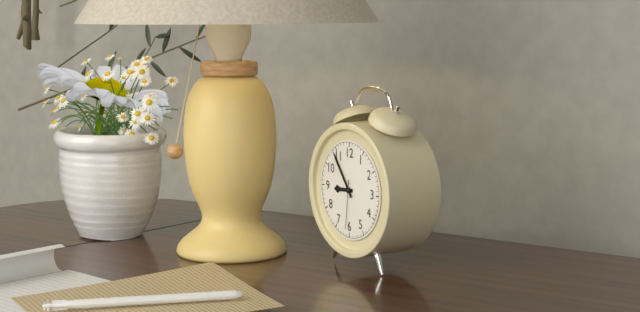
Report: 8 h 54 min
